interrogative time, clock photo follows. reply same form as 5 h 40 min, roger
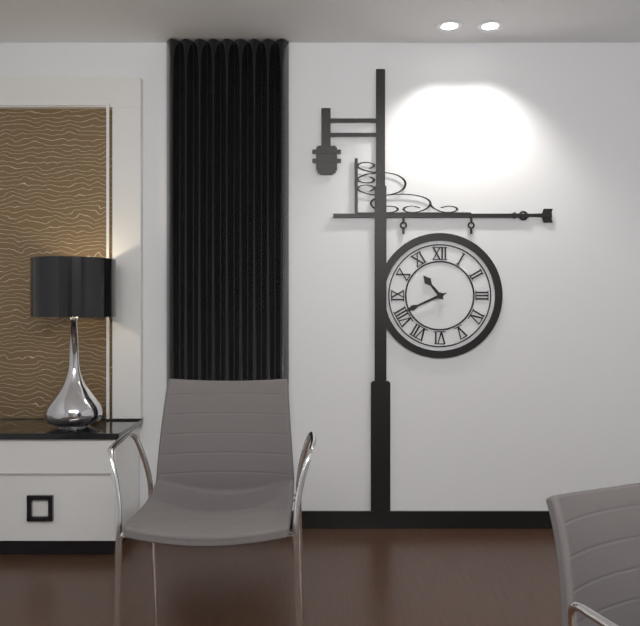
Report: 10 h 41 min
